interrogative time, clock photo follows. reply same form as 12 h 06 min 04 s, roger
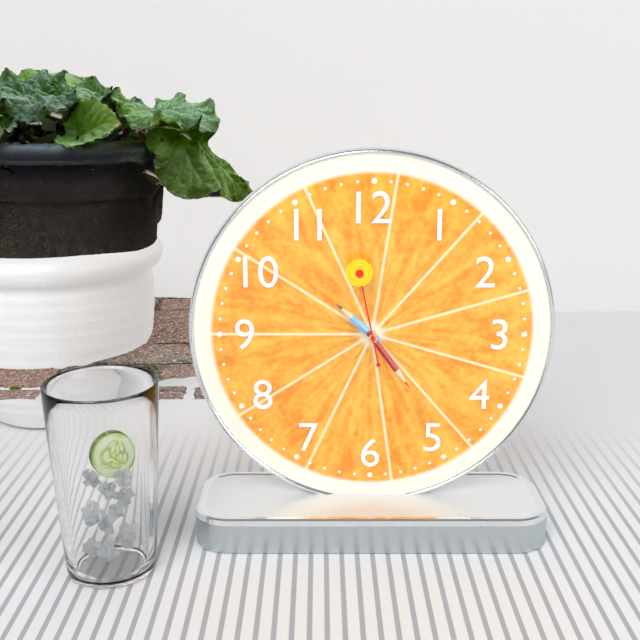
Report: 10 h 24 min 58 s
